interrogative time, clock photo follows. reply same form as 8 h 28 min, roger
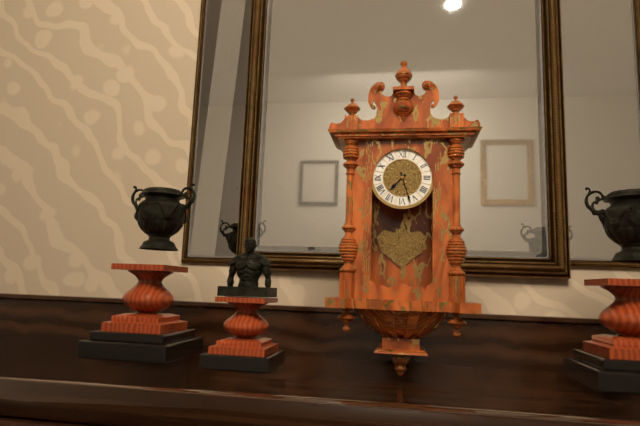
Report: 7 h 27 min
